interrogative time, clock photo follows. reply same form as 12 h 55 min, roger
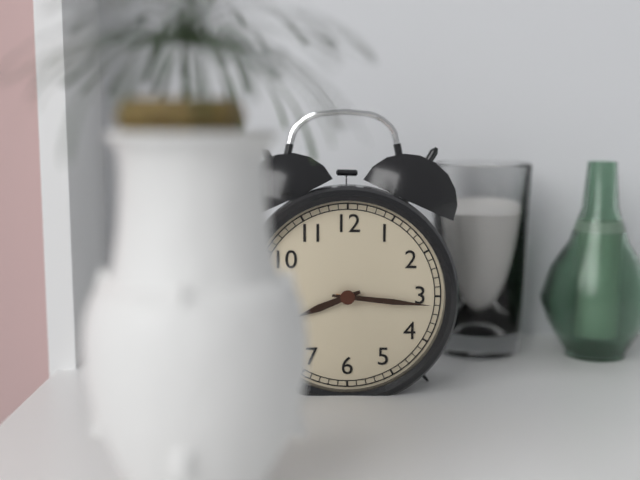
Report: 8 h 16 min
